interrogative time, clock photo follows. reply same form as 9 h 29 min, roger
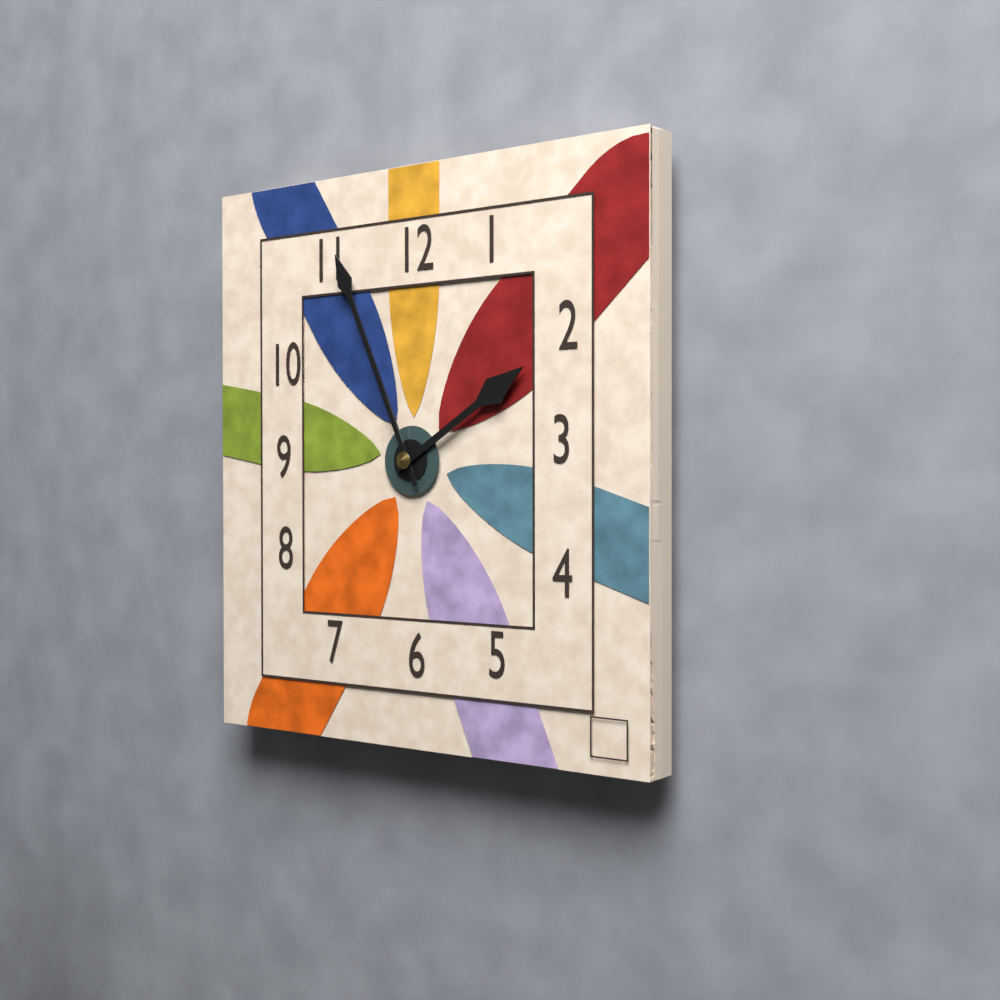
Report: 1 h 56 min
